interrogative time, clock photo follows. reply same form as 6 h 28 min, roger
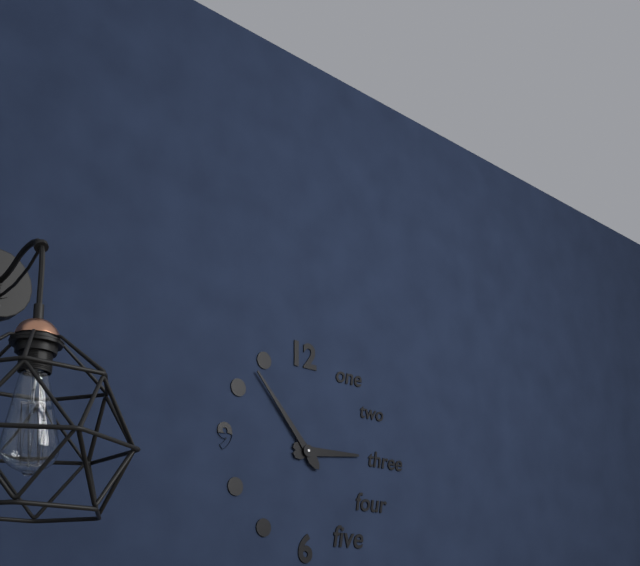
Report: 2 h 53 min
